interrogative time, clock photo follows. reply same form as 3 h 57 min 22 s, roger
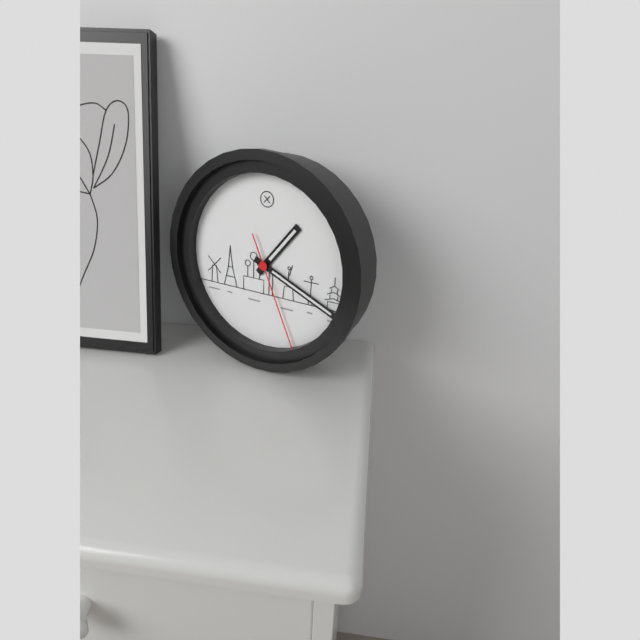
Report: 1 h 19 min 26 s
